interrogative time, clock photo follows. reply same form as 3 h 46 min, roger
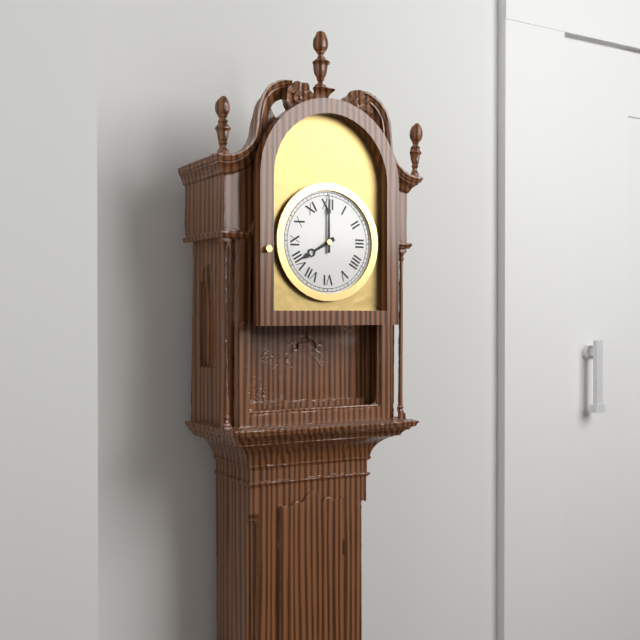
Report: 8 h 00 min
